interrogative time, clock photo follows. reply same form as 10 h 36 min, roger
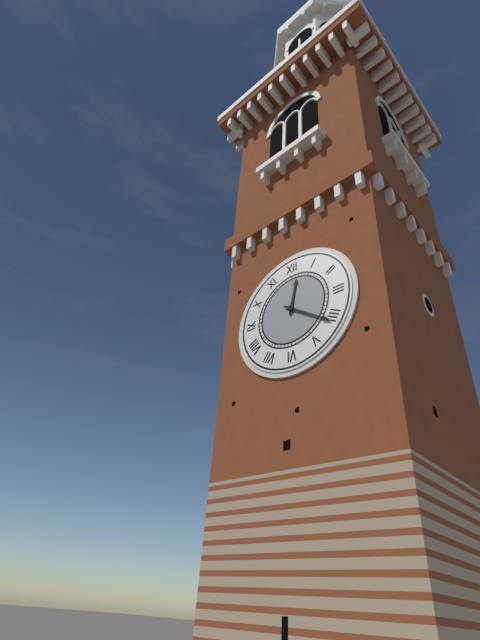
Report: 12 h 21 min
